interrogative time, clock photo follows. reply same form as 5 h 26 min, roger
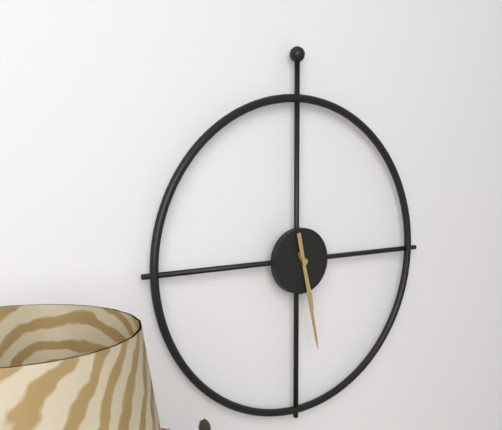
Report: 5 h 28 min
